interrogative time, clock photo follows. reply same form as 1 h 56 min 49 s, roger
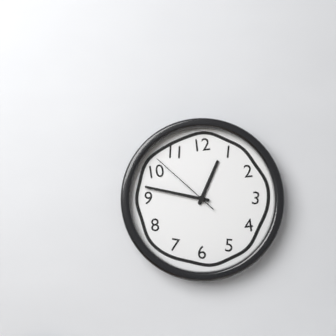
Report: 12 h 47 min 52 s
